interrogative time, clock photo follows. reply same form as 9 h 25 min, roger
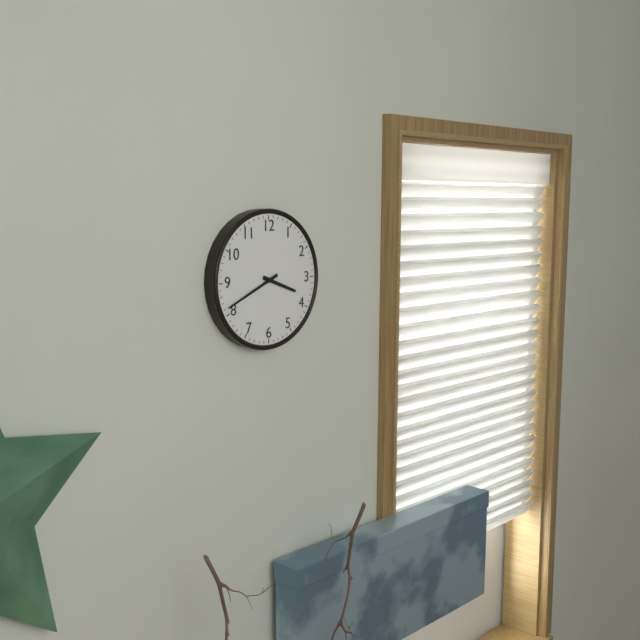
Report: 3 h 41 min
